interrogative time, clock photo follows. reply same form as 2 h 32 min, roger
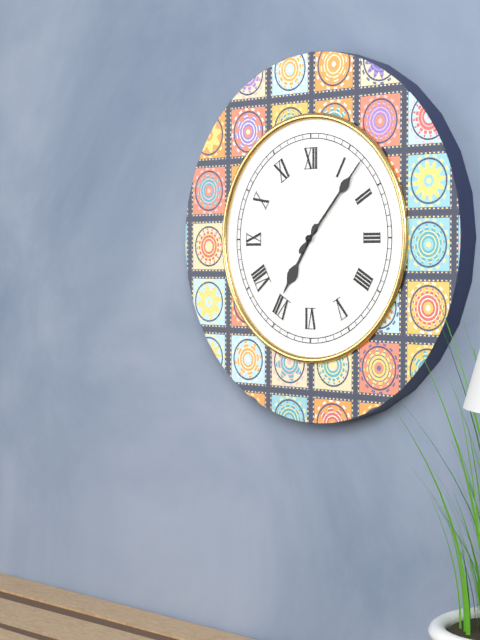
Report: 7 h 07 min
